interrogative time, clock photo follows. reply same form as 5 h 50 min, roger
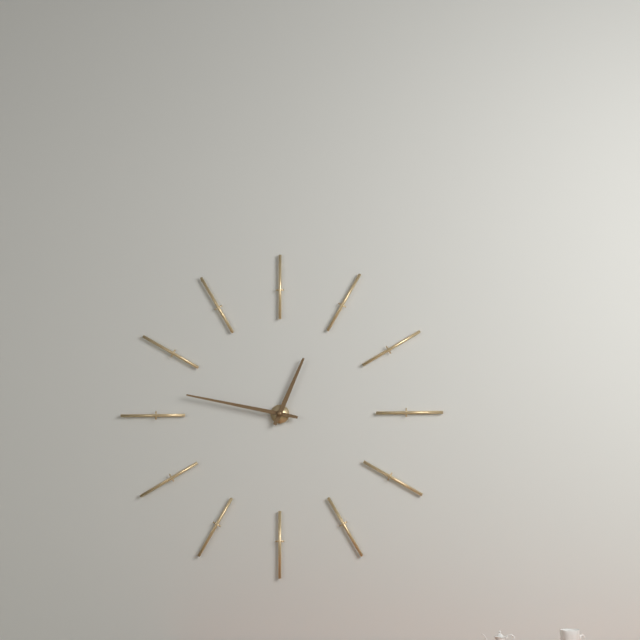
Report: 12 h 47 min
